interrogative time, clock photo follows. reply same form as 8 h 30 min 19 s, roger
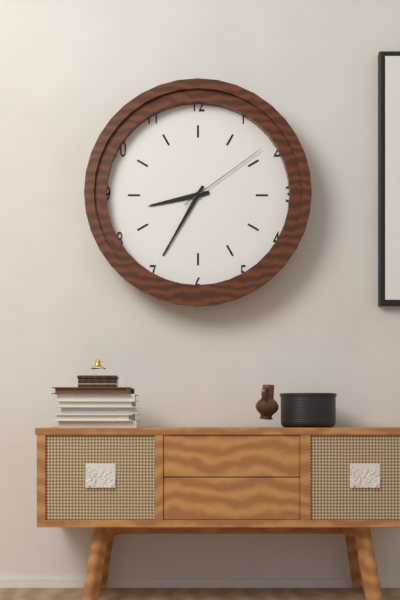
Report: 8 h 35 min 09 s
